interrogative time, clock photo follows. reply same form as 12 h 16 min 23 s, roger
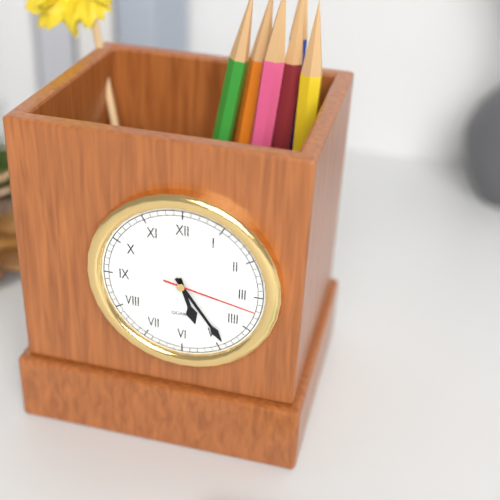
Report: 5 h 24 min 17 s
